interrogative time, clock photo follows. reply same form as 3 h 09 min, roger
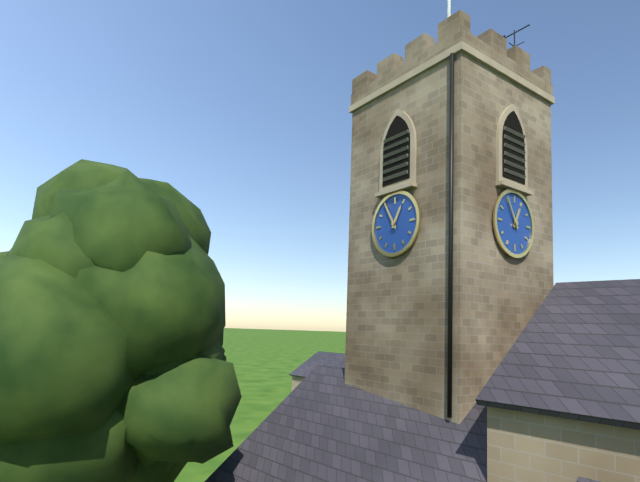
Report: 12 h 55 min
